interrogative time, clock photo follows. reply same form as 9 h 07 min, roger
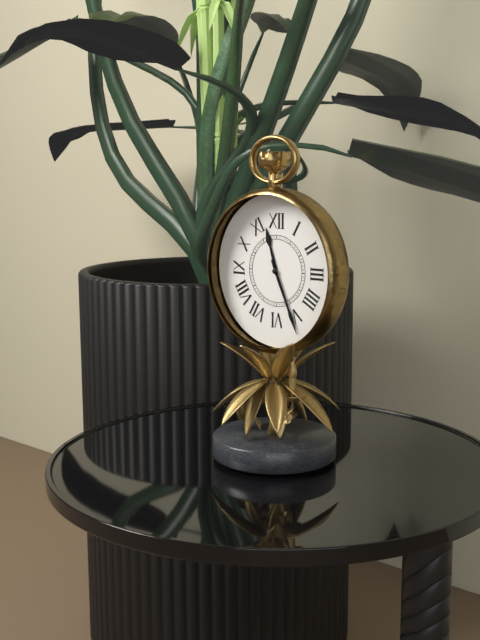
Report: 11 h 26 min
